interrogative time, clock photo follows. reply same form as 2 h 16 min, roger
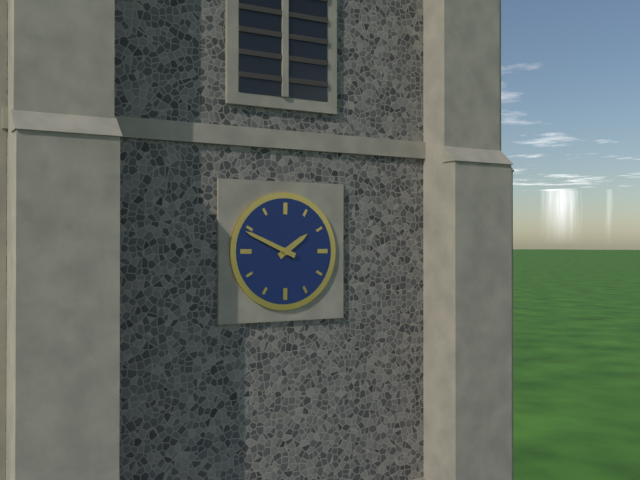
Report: 1 h 49 min
